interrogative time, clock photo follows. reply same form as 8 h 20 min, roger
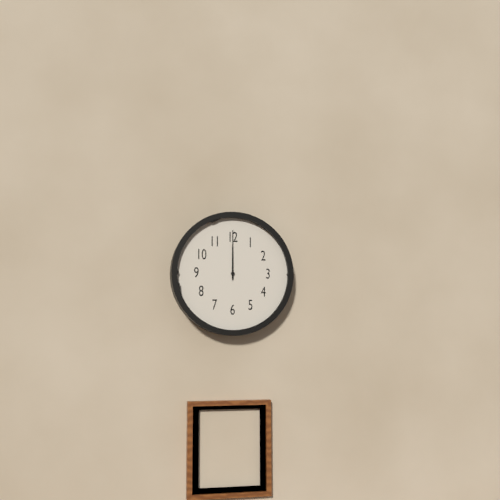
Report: 12 h 00 min
